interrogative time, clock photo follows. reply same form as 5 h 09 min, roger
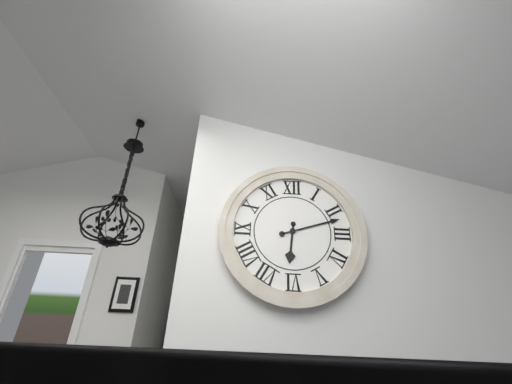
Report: 6 h 12 min
